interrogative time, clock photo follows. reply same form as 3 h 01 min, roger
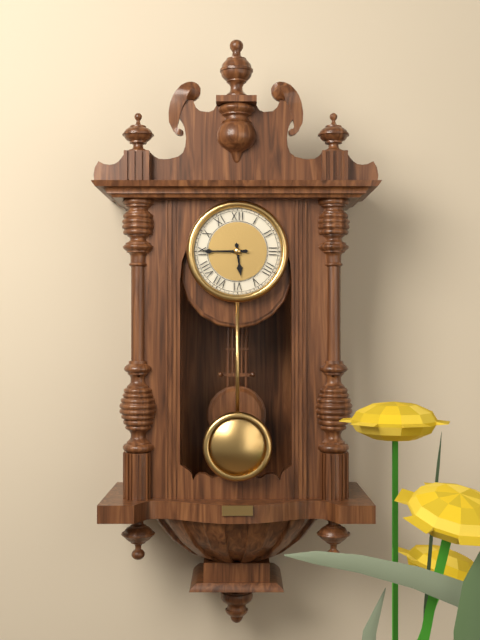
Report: 5 h 45 min
